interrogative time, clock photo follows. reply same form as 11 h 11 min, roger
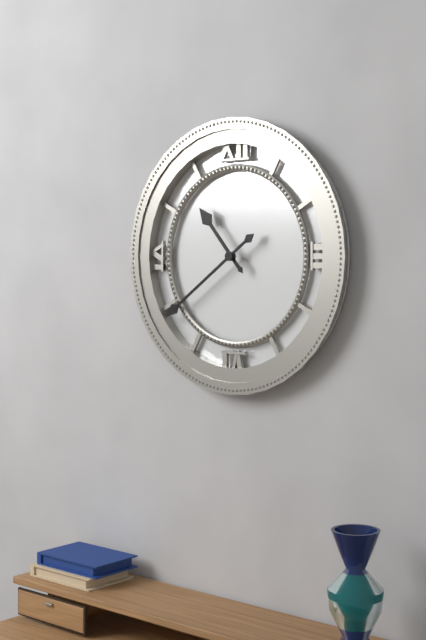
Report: 10 h 39 min
